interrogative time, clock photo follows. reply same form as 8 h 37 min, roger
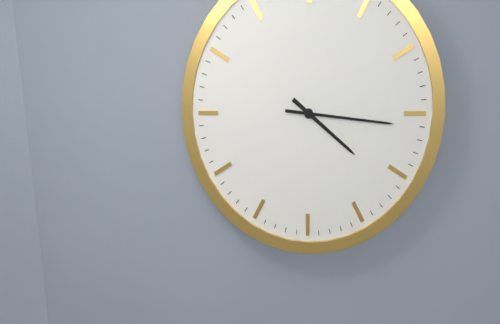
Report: 4 h 16 min
